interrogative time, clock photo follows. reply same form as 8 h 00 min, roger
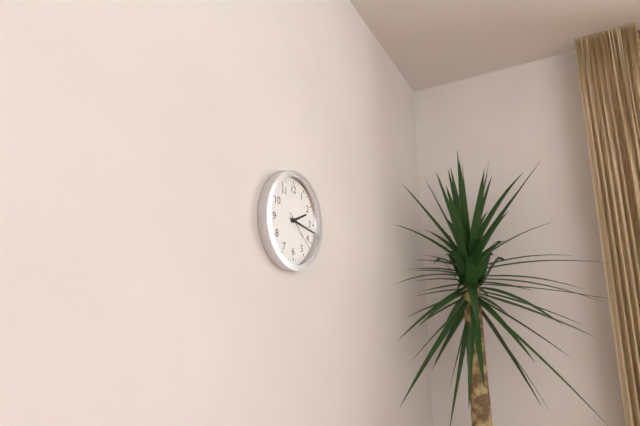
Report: 2 h 17 min
